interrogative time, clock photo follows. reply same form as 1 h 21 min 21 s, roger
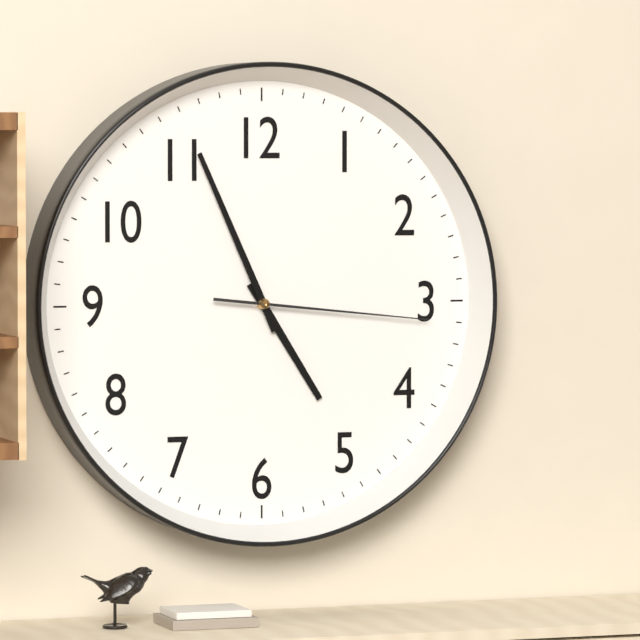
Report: 4 h 56 min 16 s
